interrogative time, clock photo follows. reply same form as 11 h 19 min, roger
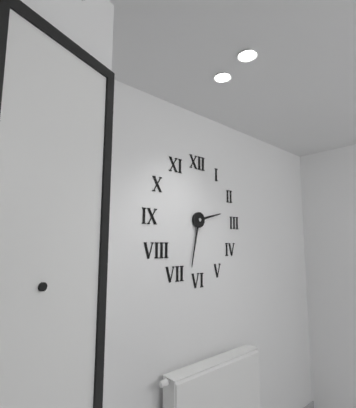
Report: 2 h 32 min
